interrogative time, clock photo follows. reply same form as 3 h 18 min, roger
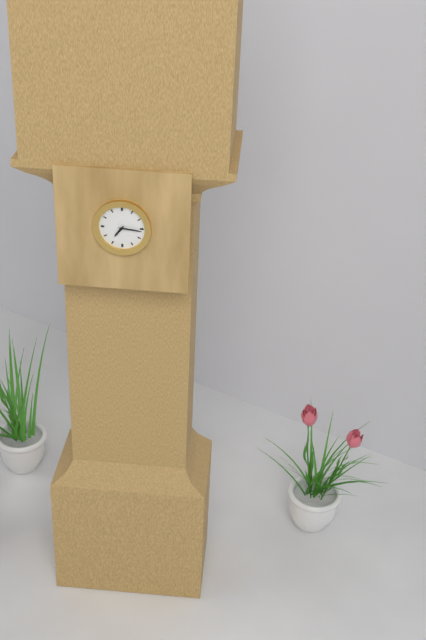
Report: 7 h 16 min
